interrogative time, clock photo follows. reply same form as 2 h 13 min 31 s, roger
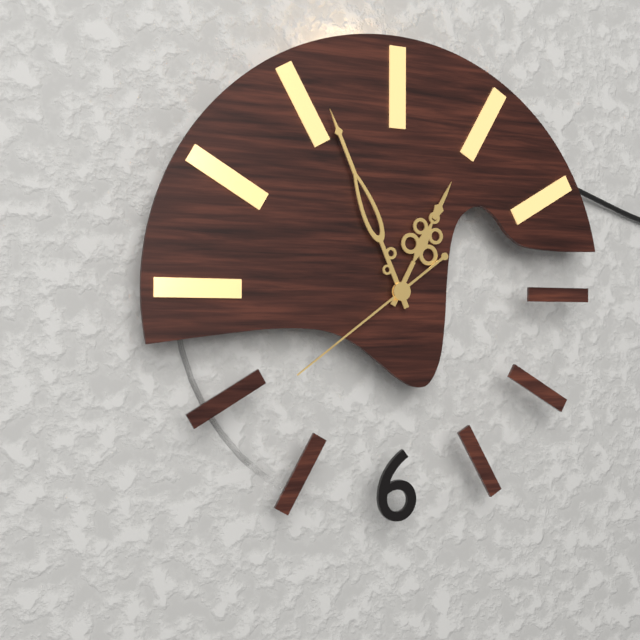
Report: 12 h 56 min 39 s
